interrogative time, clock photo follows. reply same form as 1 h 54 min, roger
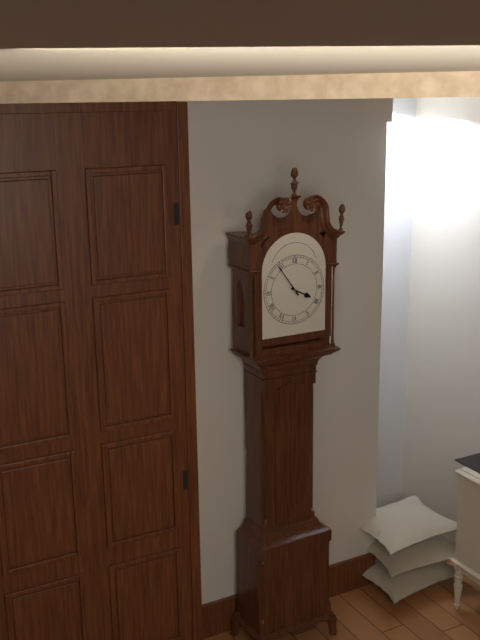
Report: 3 h 54 min
